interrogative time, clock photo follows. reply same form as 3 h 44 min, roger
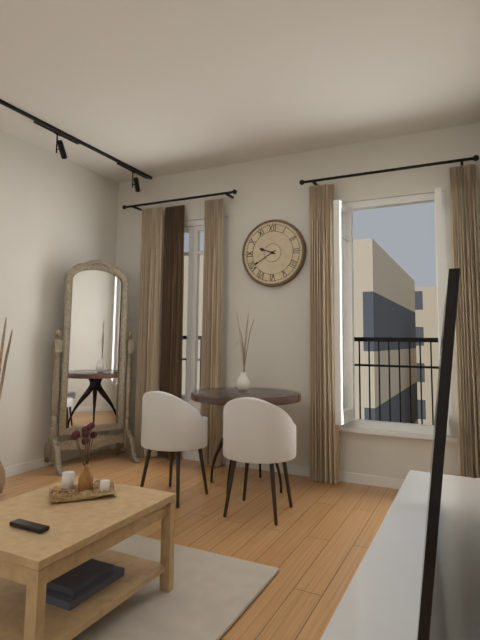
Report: 9 h 40 min
